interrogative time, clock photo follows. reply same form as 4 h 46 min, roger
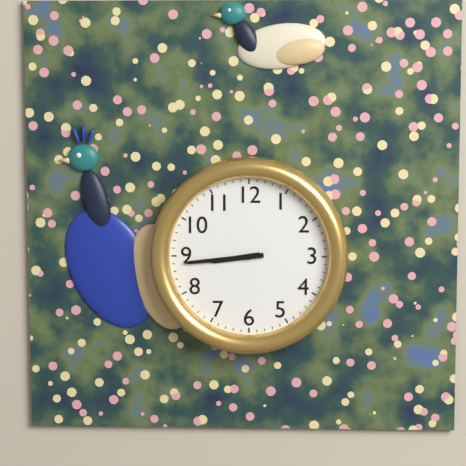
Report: 8 h 44 min
